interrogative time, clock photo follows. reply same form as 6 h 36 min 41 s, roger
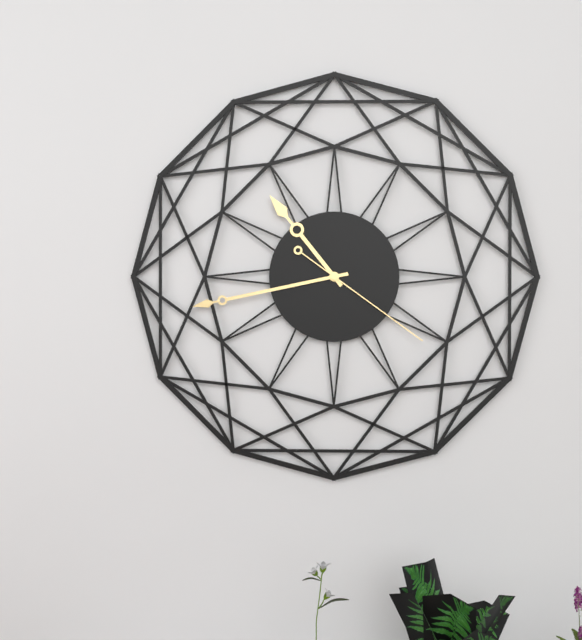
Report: 10 h 43 min 21 s
